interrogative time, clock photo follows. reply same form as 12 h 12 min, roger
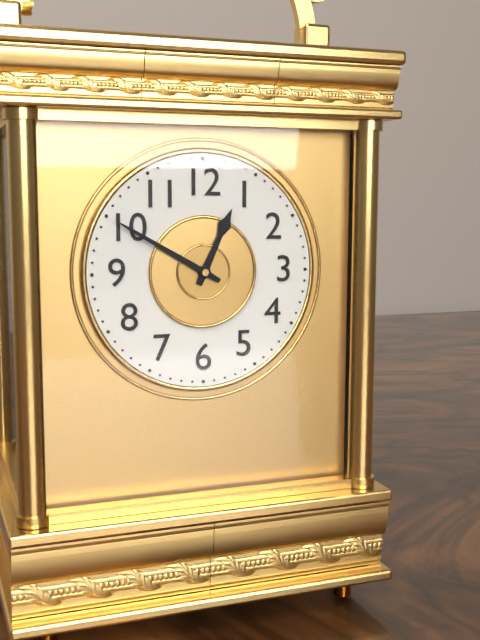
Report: 12 h 50 min
